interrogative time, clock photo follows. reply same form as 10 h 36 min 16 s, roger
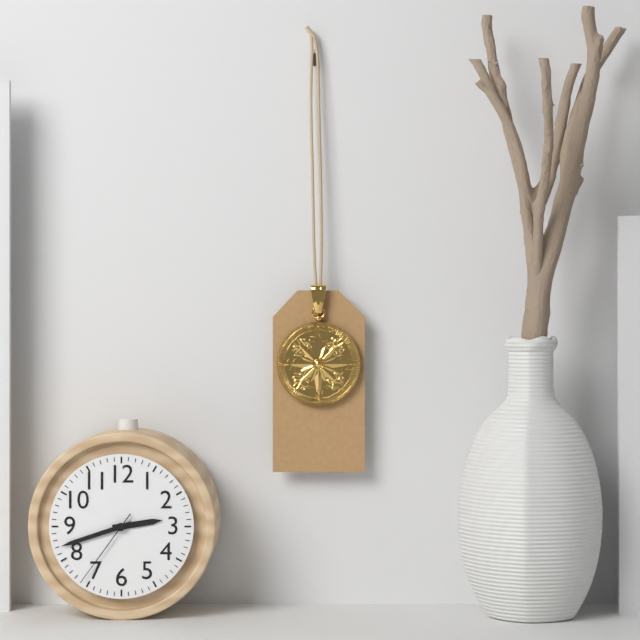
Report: 2 h 42 min 36 s
